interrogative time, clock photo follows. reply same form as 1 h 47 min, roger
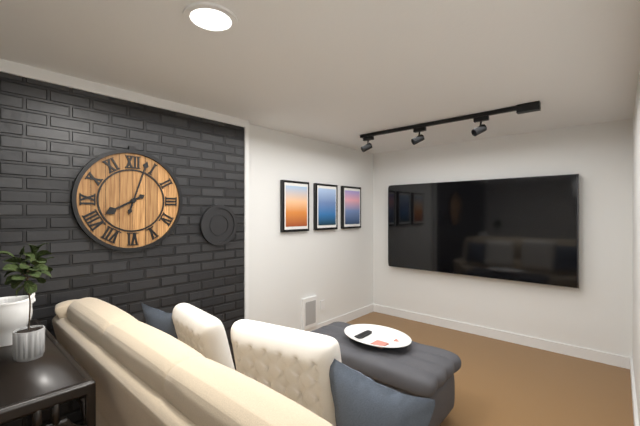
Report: 8 h 03 min
